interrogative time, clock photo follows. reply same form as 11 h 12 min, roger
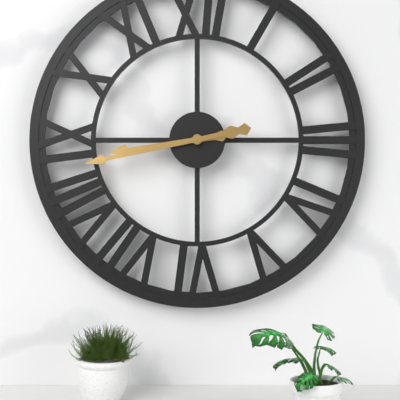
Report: 8 h 43 min
